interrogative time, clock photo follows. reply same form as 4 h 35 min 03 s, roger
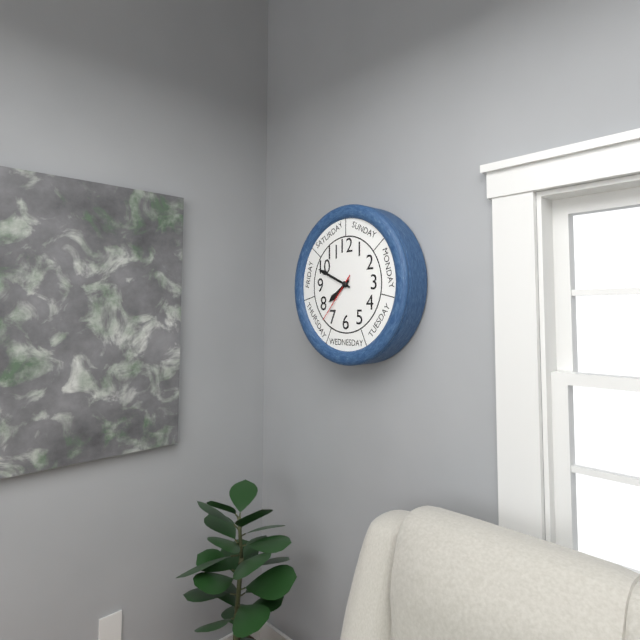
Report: 7 h 49 min 37 s
